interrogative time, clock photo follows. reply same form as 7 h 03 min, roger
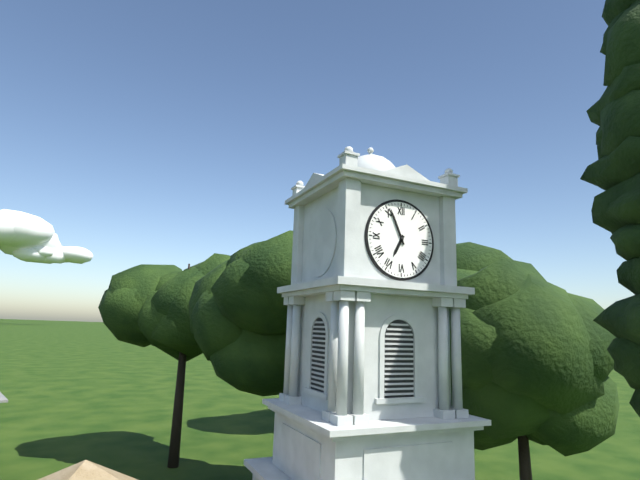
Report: 6 h 56 min
